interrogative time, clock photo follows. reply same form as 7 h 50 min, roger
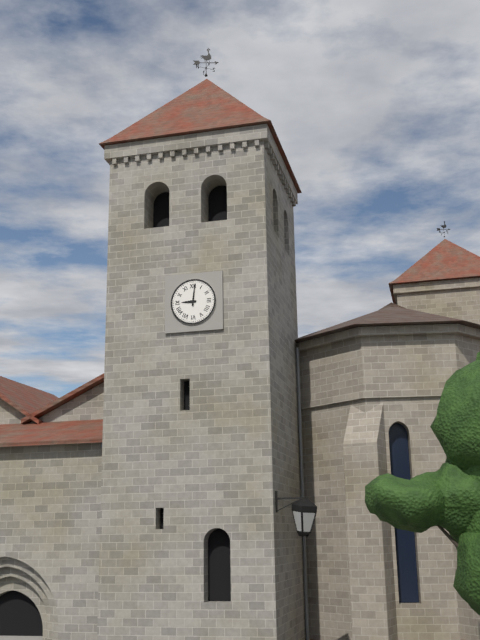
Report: 9 h 01 min
